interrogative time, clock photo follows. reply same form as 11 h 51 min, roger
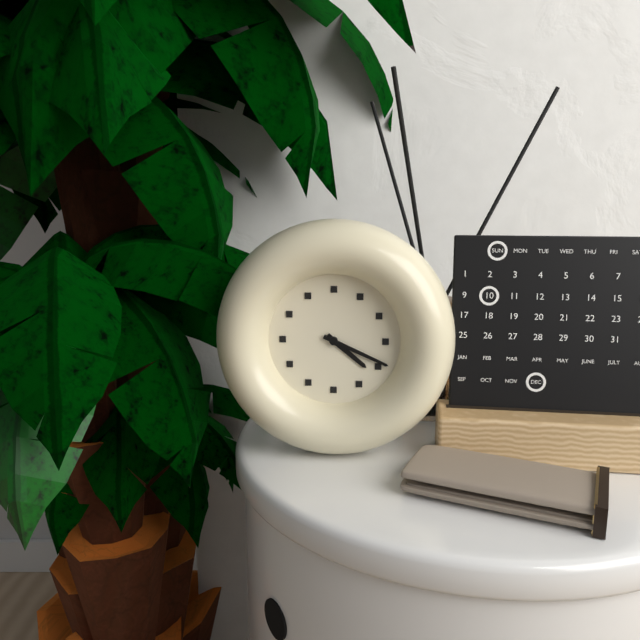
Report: 4 h 19 min
